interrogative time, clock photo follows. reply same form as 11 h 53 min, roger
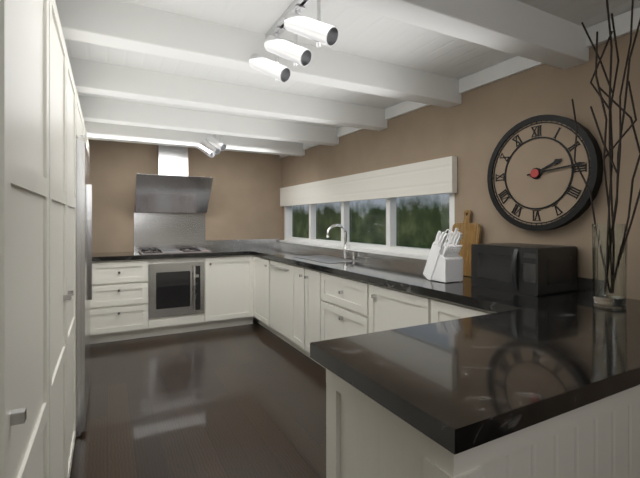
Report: 2 h 14 min
